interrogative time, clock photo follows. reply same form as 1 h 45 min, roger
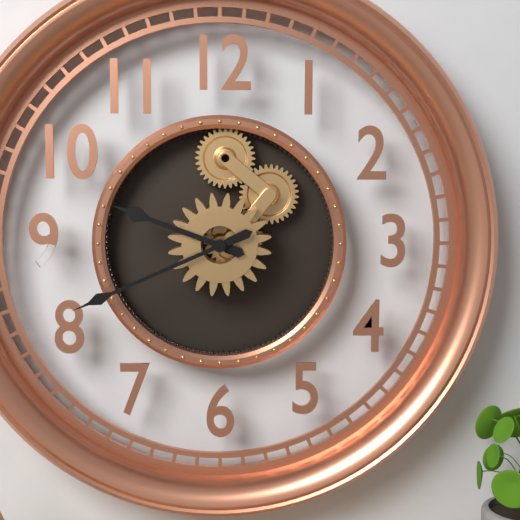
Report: 9 h 41 min
